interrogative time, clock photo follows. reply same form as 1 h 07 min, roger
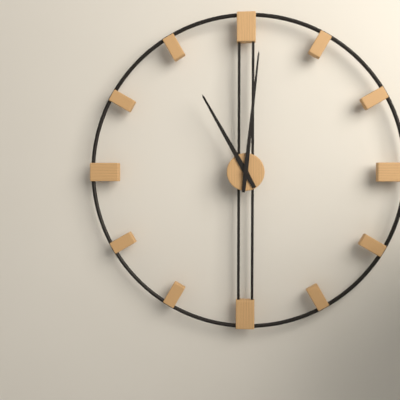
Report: 11 h 01 min
